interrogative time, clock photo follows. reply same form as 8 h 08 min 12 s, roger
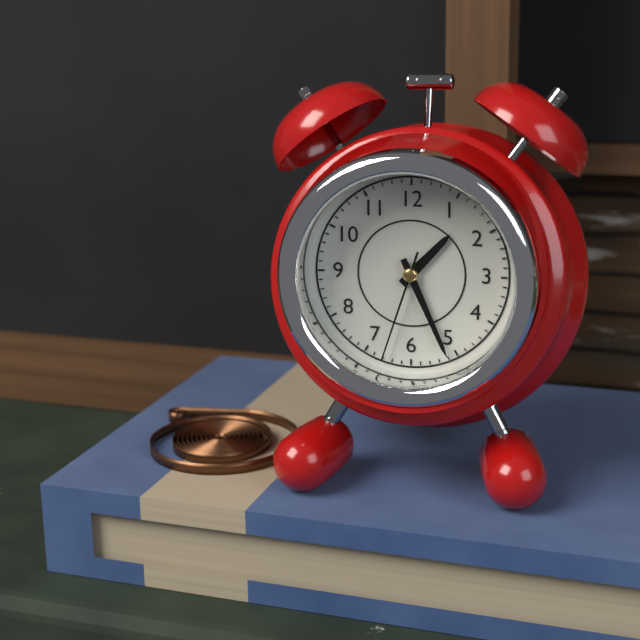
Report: 1 h 26 min 33 s
